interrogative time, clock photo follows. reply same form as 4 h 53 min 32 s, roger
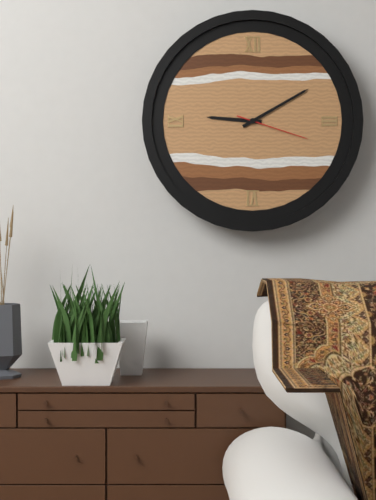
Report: 9 h 10 min 18 s
